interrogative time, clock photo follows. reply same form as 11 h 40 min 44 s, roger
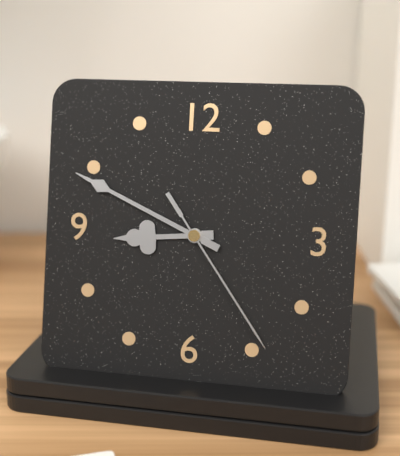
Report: 8 h 49 min 24 s
